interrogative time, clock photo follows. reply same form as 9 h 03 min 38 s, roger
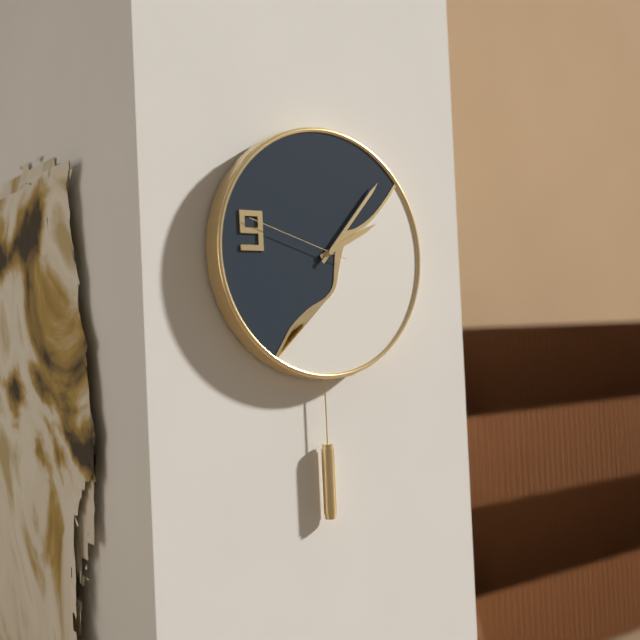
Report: 2 h 07 min 48 s
